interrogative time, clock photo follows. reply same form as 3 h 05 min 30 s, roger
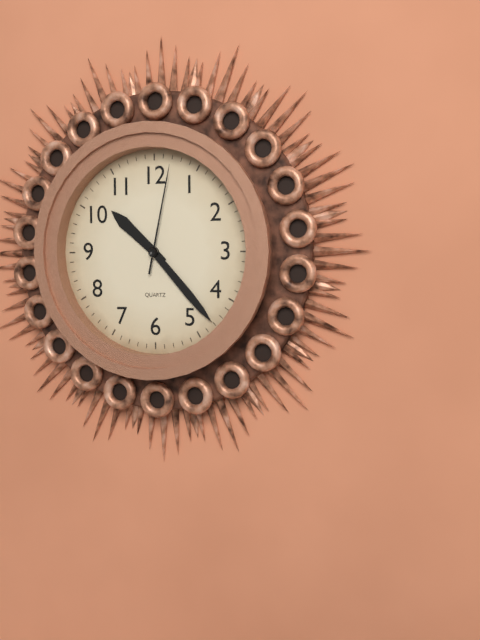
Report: 10 h 23 min 02 s
